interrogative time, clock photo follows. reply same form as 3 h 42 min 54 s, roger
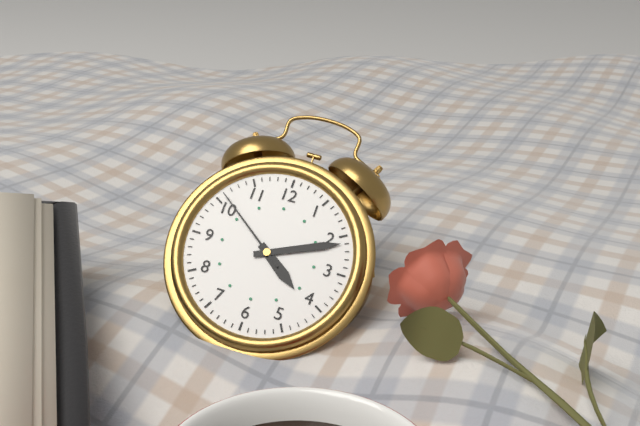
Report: 4 h 11 min 51 s
